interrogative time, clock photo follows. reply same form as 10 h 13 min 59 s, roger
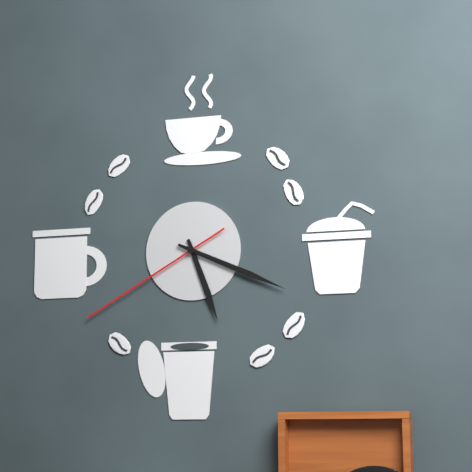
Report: 5 h 19 min 40 s
